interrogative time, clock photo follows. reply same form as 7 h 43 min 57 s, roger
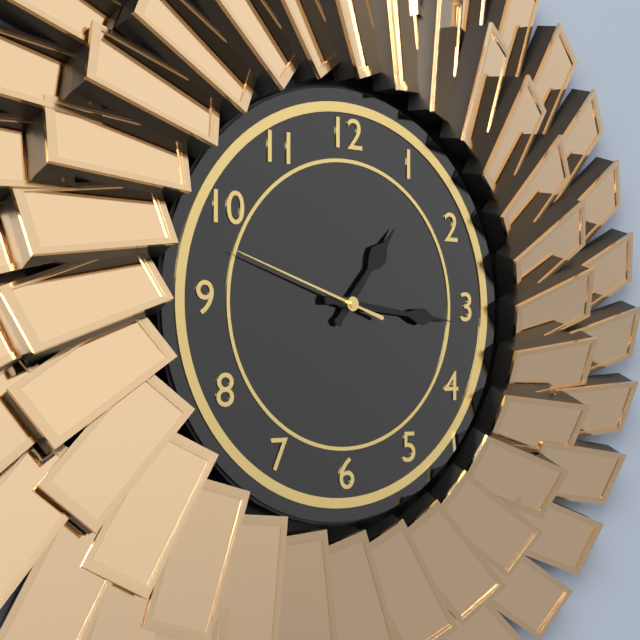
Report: 1 h 16 min 48 s
